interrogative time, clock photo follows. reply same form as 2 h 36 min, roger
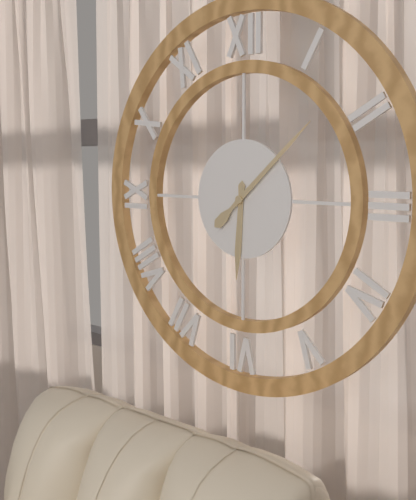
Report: 6 h 08 min
